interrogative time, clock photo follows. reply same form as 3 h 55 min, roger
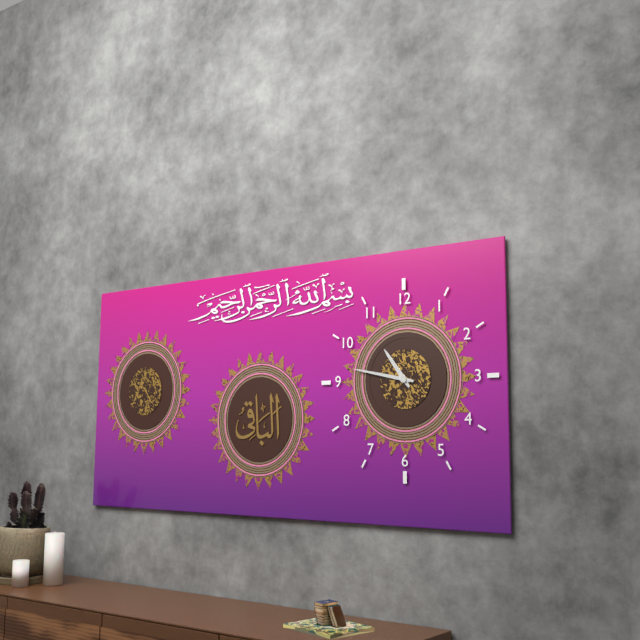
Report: 10 h 47 min
